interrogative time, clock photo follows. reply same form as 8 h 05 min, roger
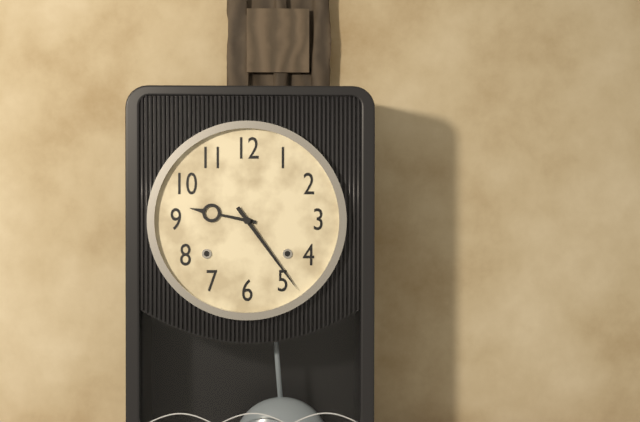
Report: 9 h 24 min
